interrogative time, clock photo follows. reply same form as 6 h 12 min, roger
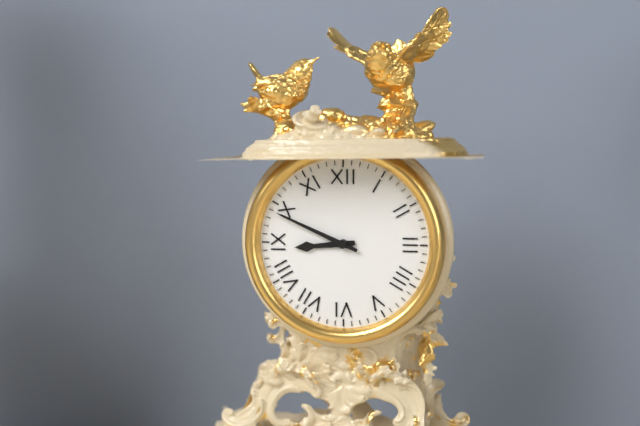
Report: 8 h 49 min
